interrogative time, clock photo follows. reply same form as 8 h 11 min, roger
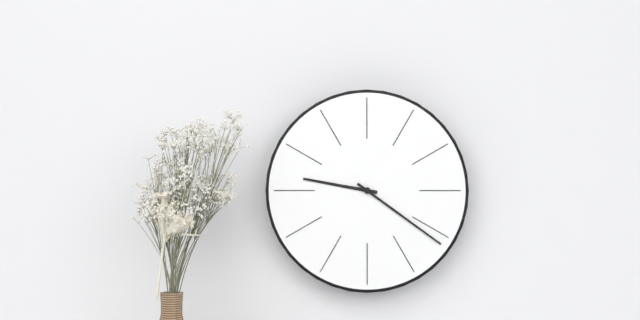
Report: 9 h 21 min
